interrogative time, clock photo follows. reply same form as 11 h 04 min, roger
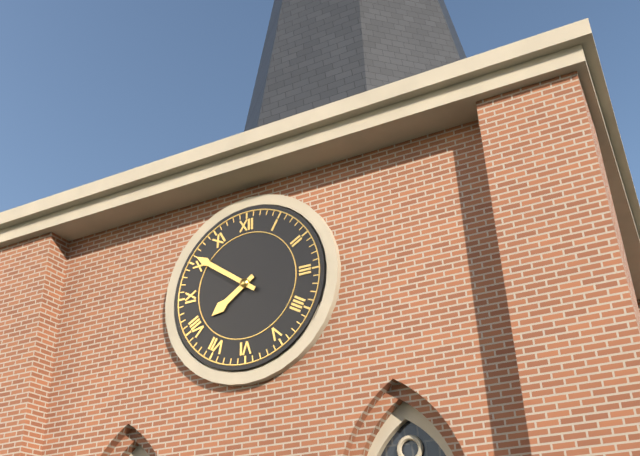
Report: 7 h 51 min
